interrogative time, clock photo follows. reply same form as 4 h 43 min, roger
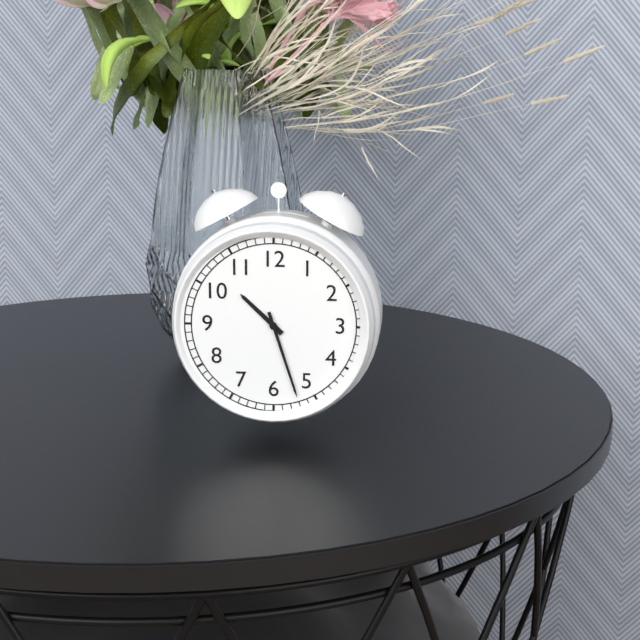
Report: 10 h 27 min
